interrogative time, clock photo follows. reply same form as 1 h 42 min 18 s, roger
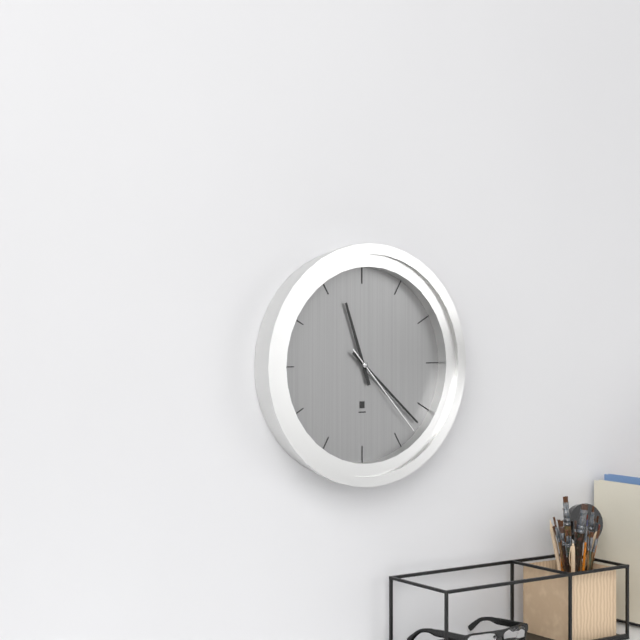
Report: 11 h 22 min 23 s
